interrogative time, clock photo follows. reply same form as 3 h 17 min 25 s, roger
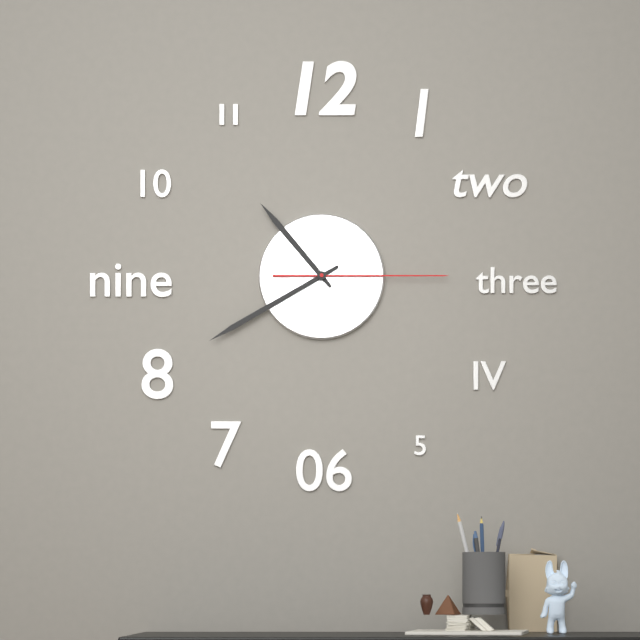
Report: 10 h 40 min 15 s
